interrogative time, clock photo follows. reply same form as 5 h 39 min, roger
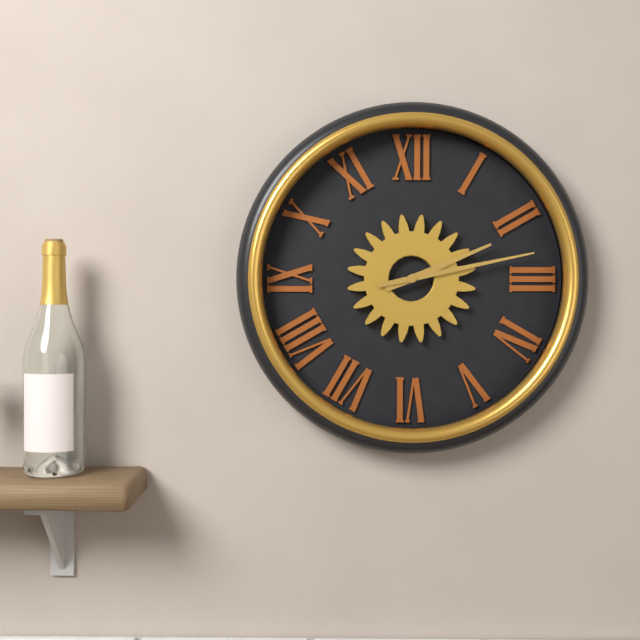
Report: 2 h 13 min
